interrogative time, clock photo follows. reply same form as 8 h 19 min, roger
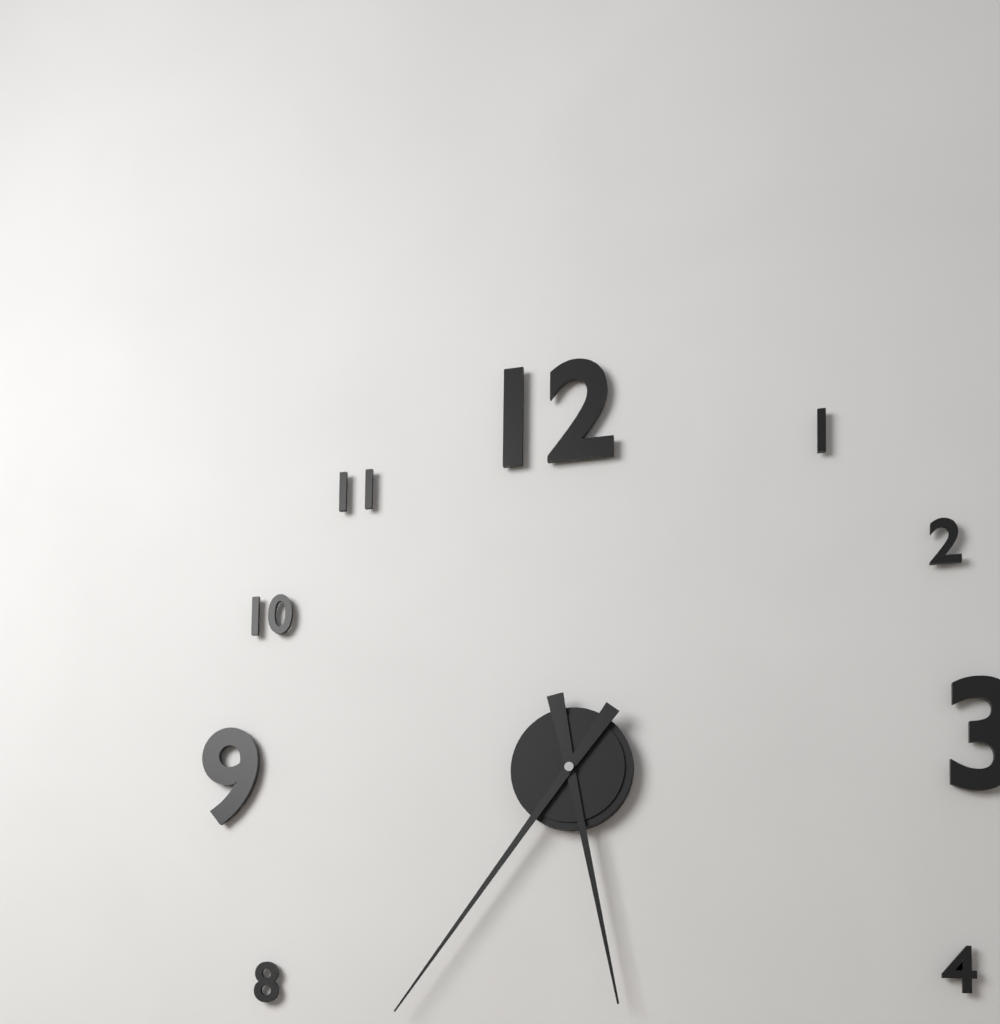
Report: 5 h 36 min
